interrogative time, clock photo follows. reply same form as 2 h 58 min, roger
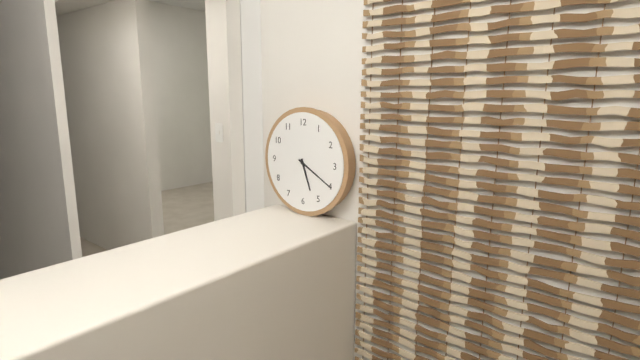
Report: 5 h 20 min
